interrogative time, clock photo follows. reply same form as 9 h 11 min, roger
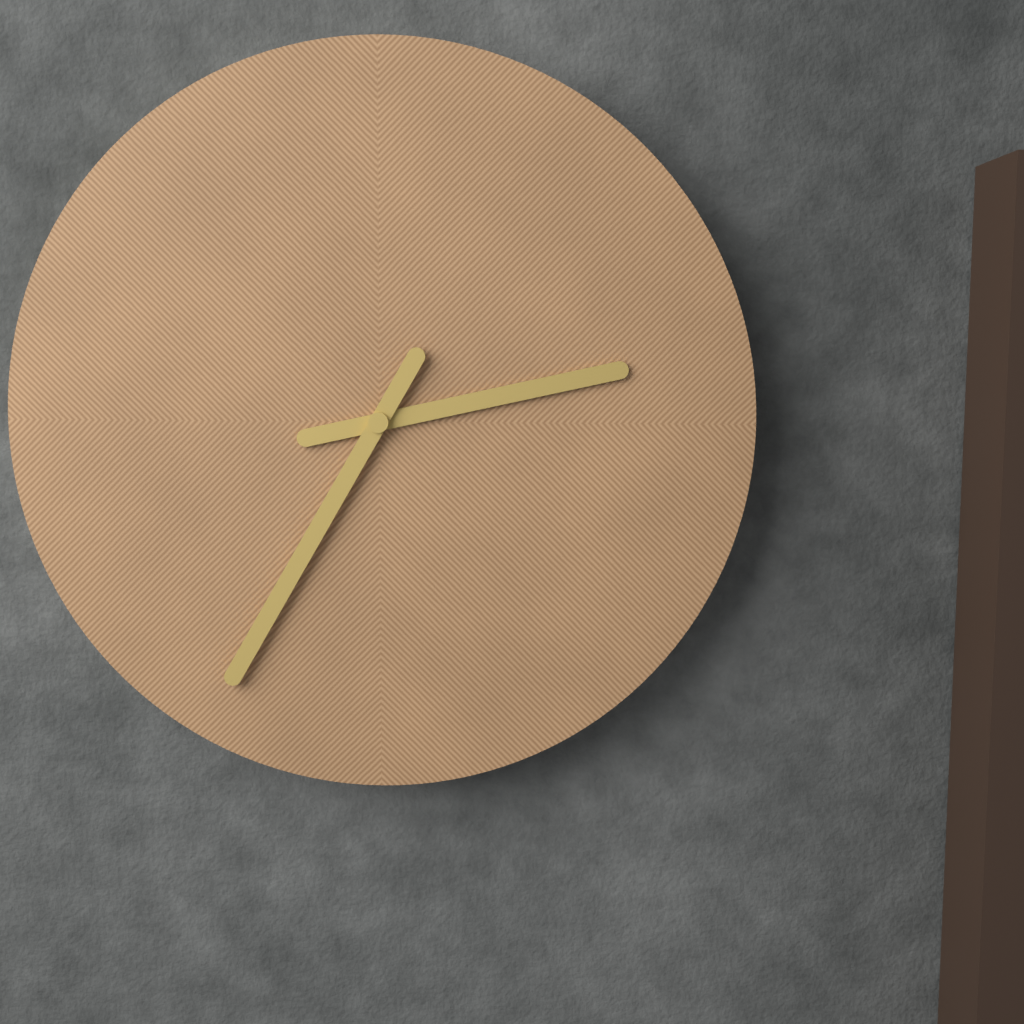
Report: 2 h 35 min
